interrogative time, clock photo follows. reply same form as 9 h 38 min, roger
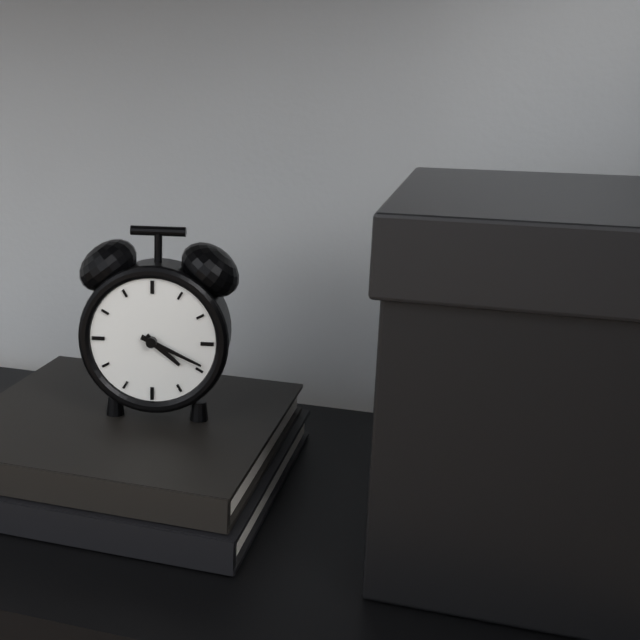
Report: 4 h 19 min
